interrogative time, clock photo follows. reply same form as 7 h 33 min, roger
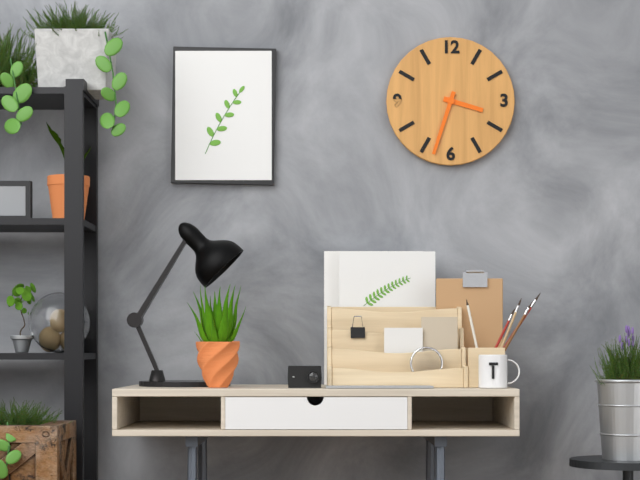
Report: 3 h 33 min
